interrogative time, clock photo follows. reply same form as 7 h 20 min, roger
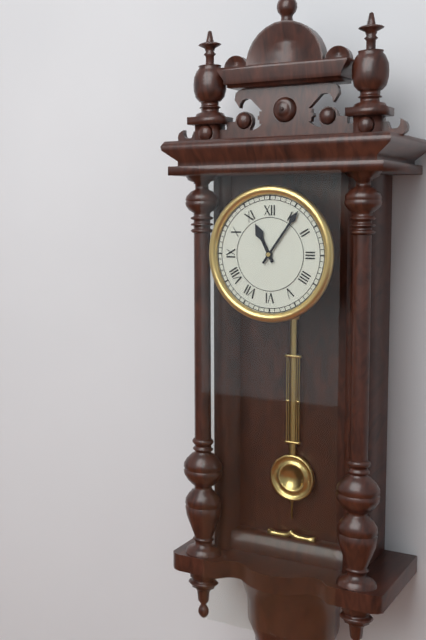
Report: 11 h 06 min
